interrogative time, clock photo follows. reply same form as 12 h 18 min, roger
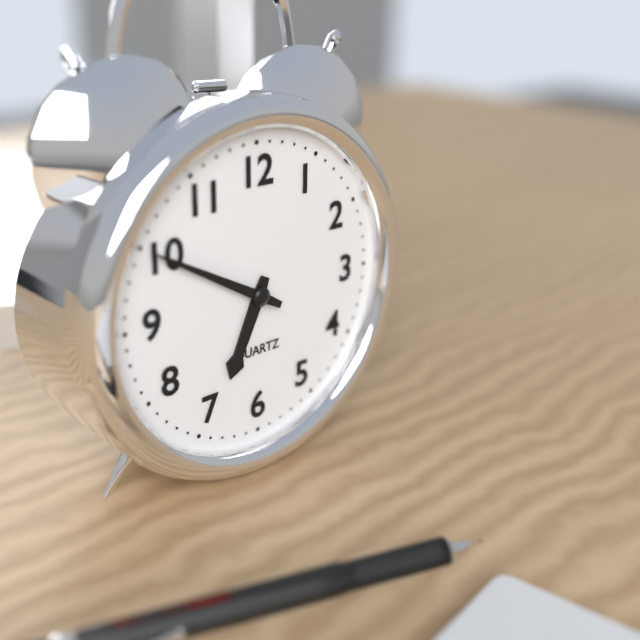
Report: 6 h 50 min
